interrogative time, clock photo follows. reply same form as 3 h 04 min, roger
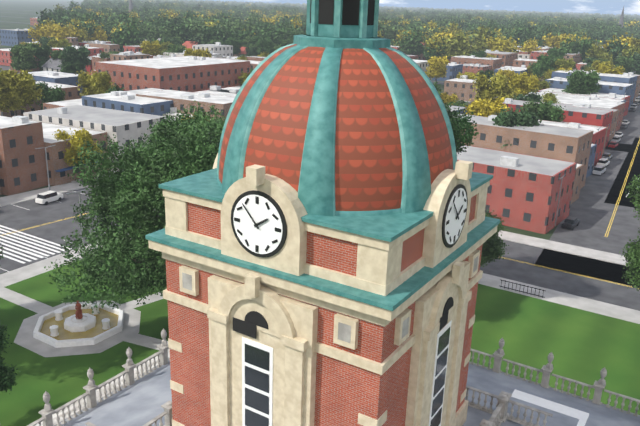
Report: 1 h 53 min
